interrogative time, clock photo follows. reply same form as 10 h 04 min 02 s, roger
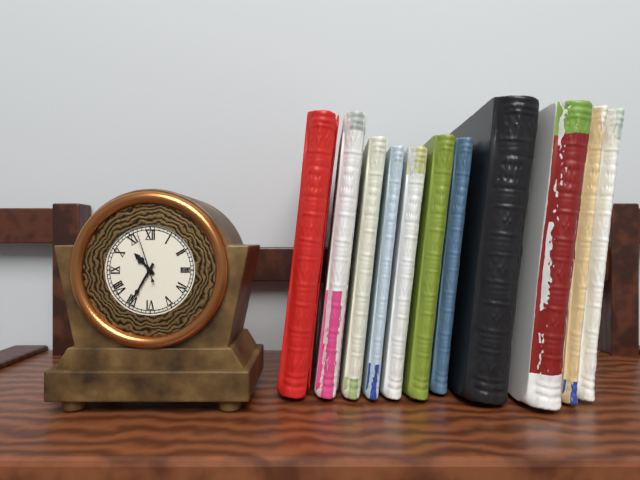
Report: 10 h 35 min 57 s
